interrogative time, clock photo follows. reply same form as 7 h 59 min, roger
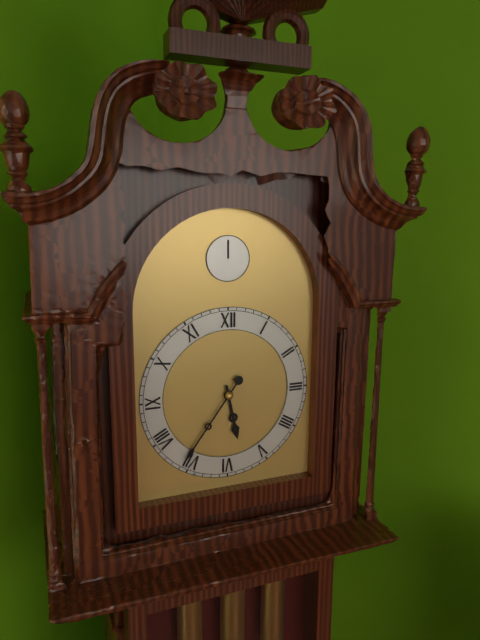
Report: 5 h 36 min
